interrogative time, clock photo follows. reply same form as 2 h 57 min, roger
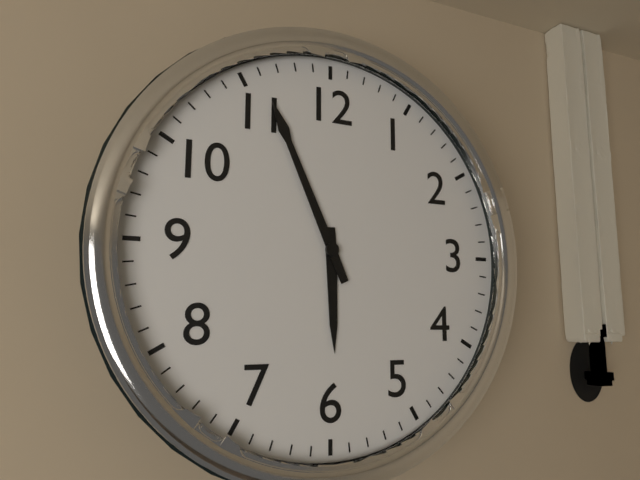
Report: 5 h 56 min
